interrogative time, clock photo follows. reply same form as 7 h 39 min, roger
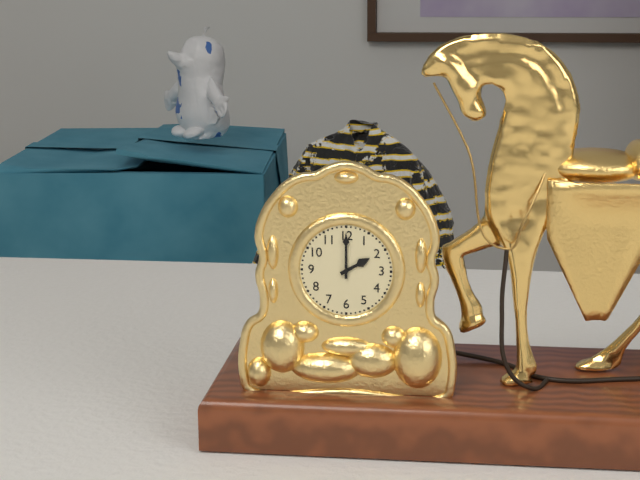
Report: 2 h 00 min
